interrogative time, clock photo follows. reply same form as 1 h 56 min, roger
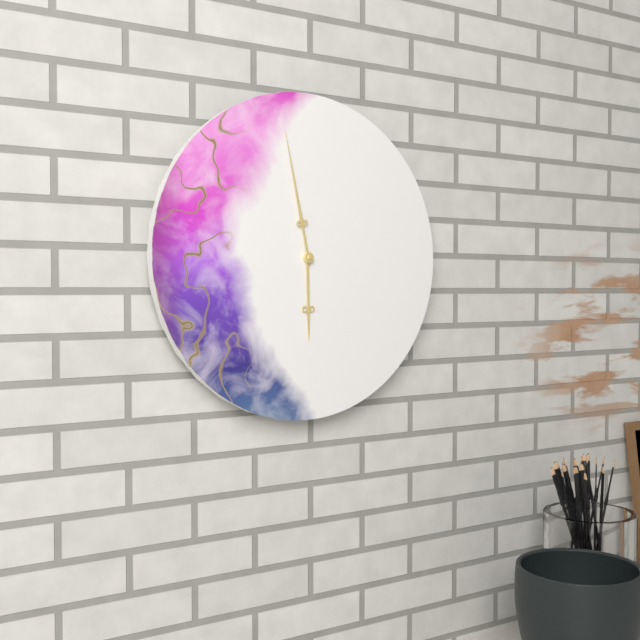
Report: 5 h 58 min
